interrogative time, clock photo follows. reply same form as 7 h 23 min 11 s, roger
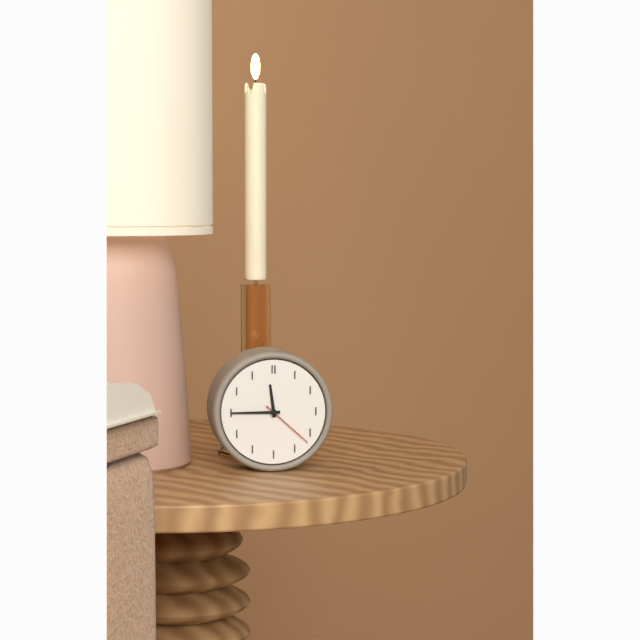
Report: 11 h 45 min 22 s
